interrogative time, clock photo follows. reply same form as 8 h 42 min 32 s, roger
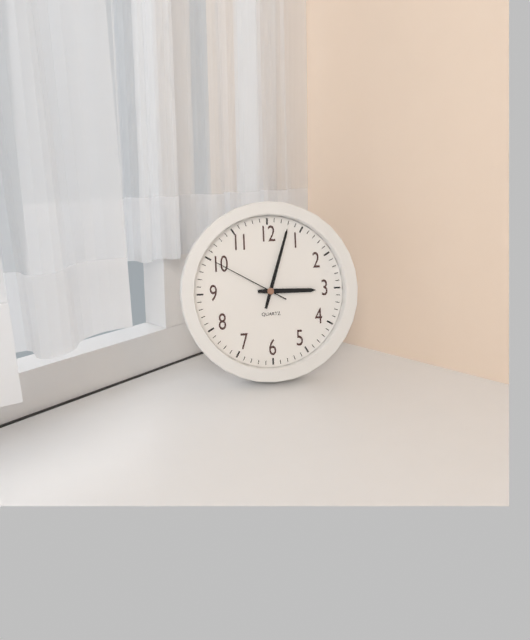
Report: 3 h 03 min 50 s
